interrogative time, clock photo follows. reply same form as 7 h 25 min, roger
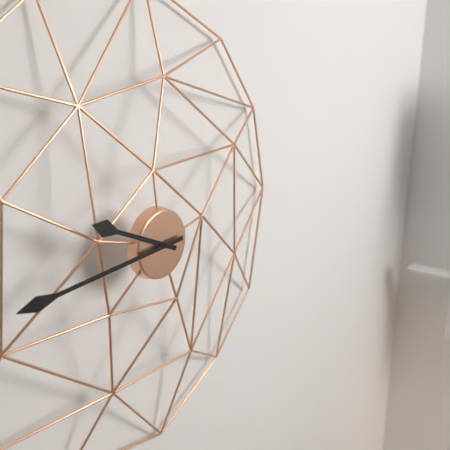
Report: 9 h 44 min
